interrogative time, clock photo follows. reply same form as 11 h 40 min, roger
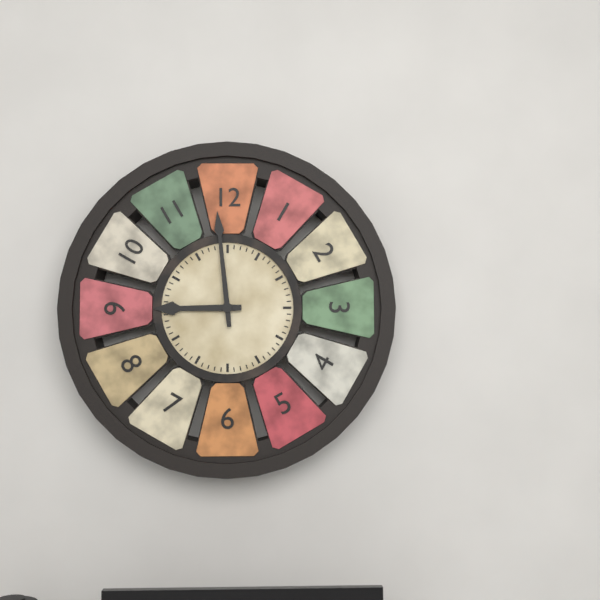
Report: 8 h 59 min
